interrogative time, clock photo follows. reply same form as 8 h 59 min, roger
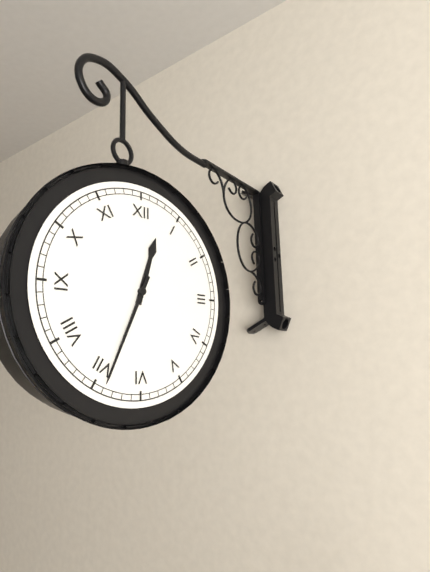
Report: 12 h 34 min
